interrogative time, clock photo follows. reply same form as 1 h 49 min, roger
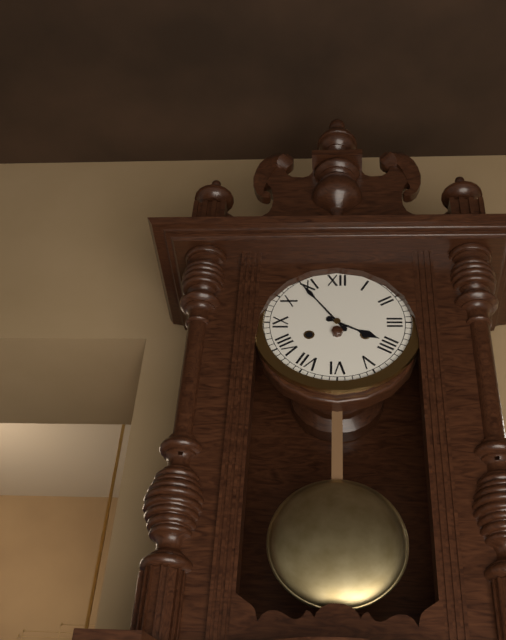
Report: 3 h 54 min
